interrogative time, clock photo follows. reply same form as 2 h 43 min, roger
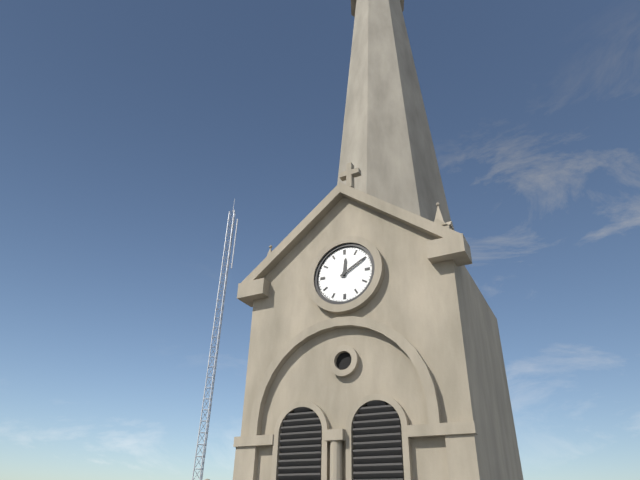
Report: 12 h 10 min
